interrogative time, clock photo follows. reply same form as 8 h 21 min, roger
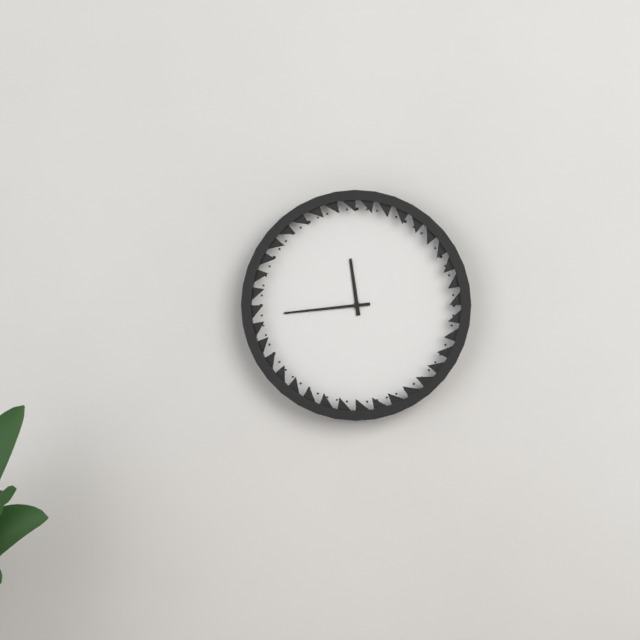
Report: 11 h 44 min
